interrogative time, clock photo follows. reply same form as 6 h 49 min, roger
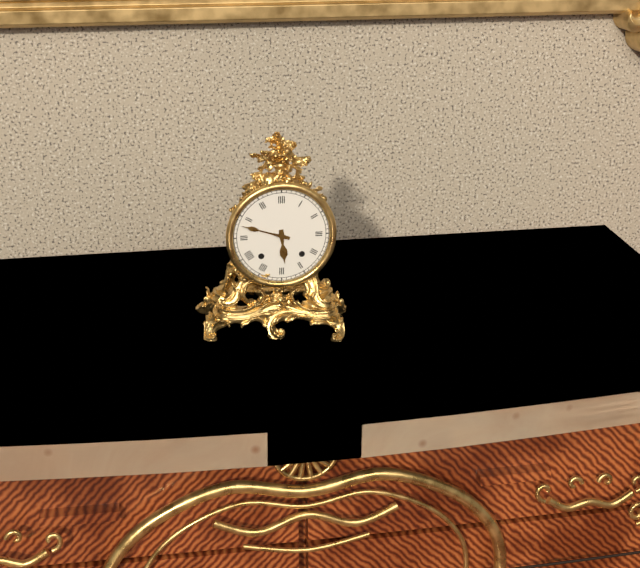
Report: 5 h 48 min
